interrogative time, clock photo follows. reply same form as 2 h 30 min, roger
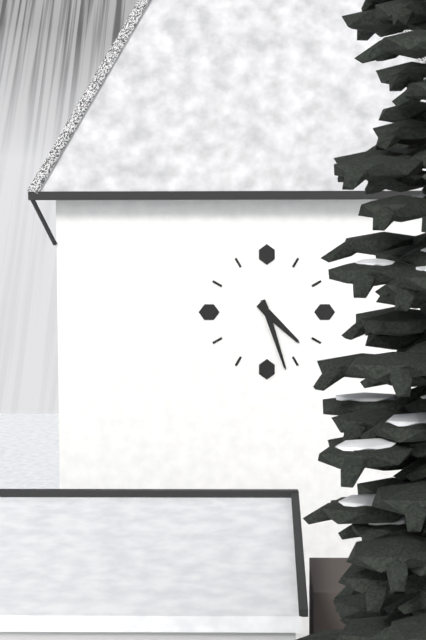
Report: 4 h 27 min
